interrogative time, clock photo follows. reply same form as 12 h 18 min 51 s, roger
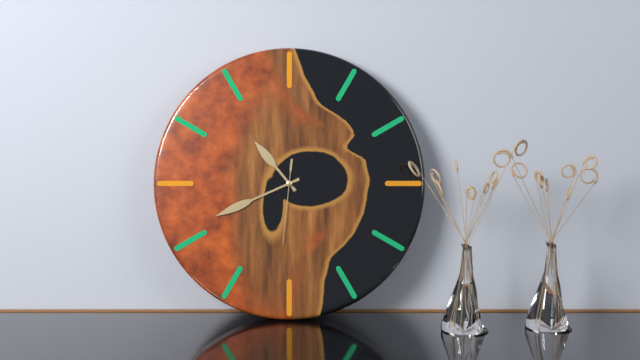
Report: 10 h 41 min 31 s
